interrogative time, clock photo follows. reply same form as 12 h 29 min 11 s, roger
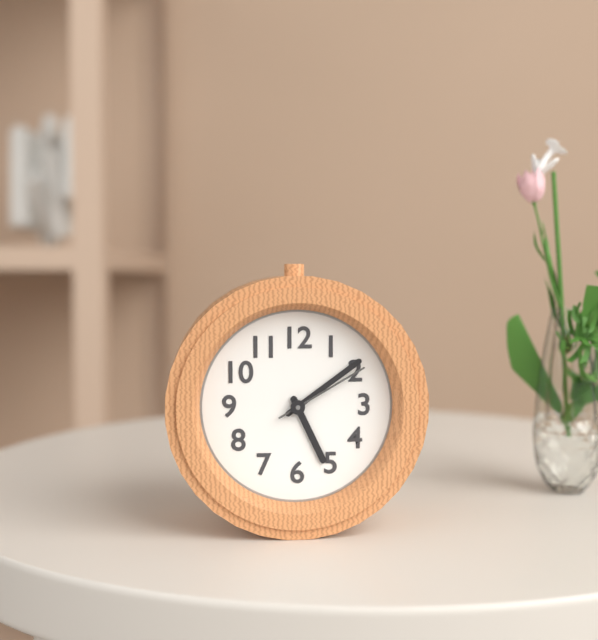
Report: 5 h 09 min 10 s
